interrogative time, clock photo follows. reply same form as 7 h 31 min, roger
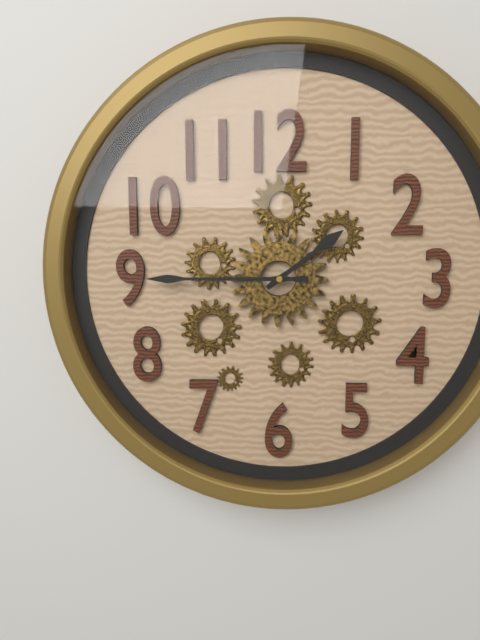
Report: 1 h 45 min
